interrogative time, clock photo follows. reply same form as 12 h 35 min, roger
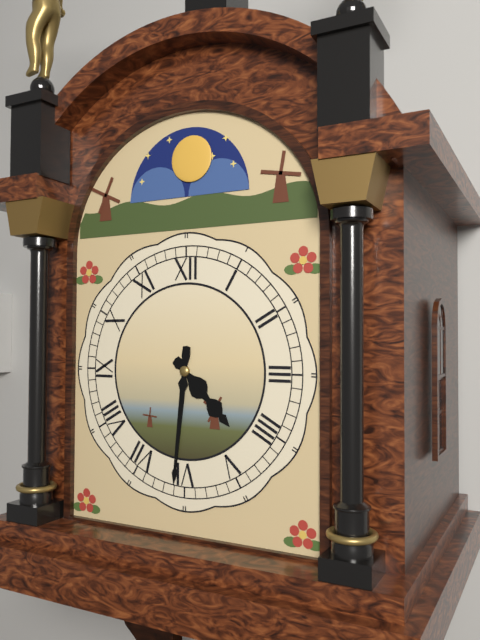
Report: 4 h 31 min
